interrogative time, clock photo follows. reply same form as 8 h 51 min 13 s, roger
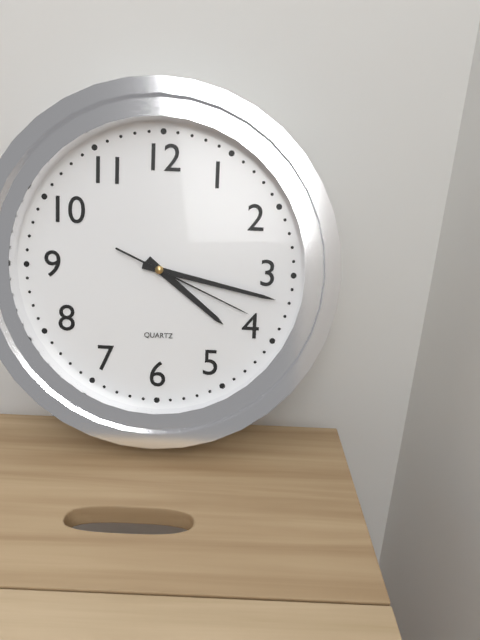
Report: 4 h 17 min 19 s
